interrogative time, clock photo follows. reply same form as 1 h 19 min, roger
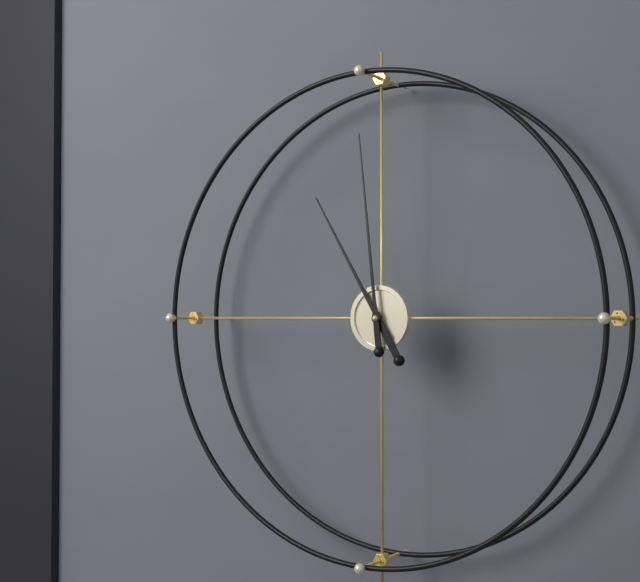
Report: 10 h 59 min
